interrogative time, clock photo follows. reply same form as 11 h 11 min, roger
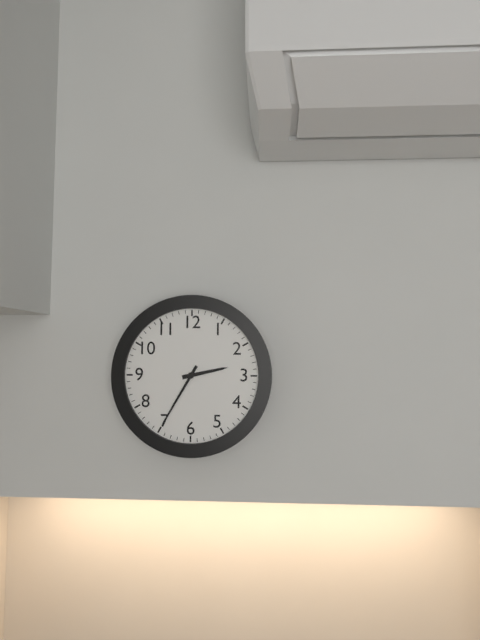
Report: 2 h 35 min
